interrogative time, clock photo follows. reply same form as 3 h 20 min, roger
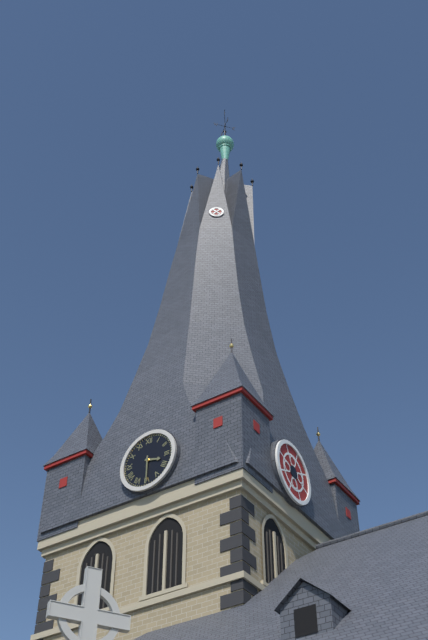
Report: 3 h 30 min
